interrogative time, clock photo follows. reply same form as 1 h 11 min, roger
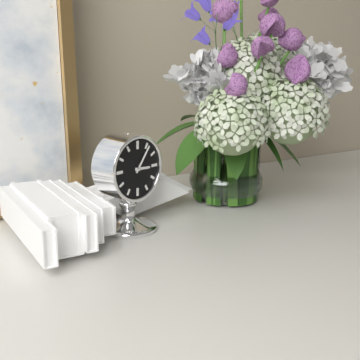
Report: 3 h 06 min
